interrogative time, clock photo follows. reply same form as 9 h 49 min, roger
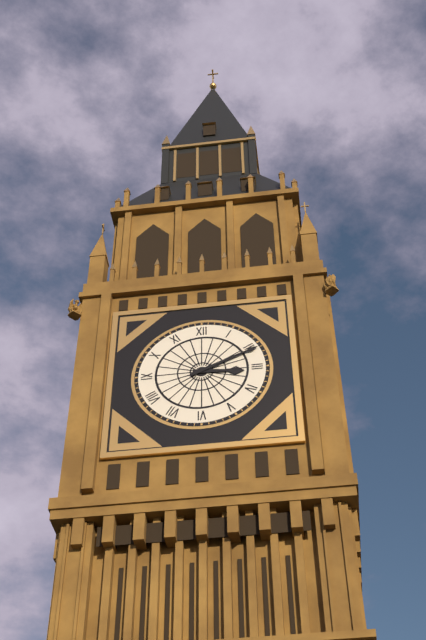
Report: 3 h 11 min
